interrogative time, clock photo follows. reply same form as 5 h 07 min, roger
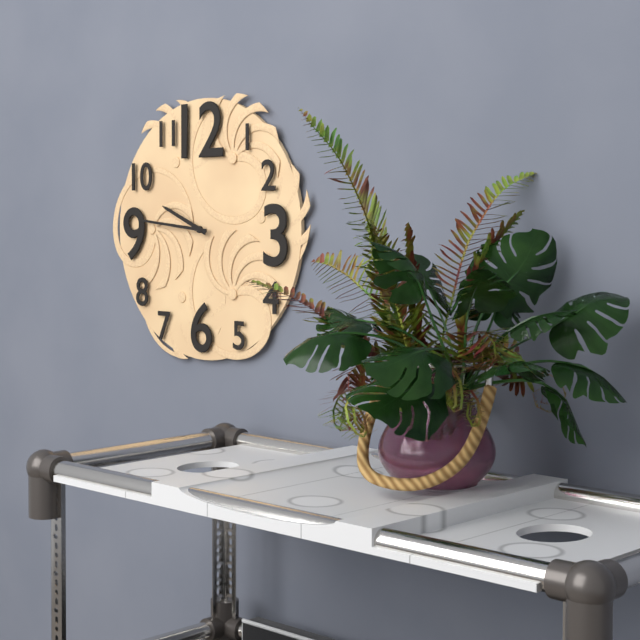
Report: 9 h 46 min
